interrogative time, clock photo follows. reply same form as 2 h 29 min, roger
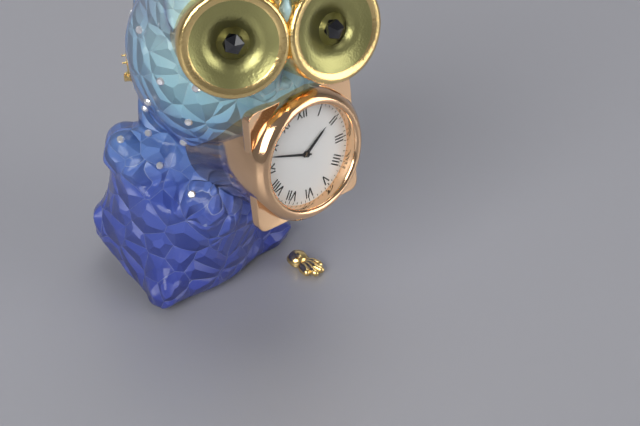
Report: 1 h 48 min
